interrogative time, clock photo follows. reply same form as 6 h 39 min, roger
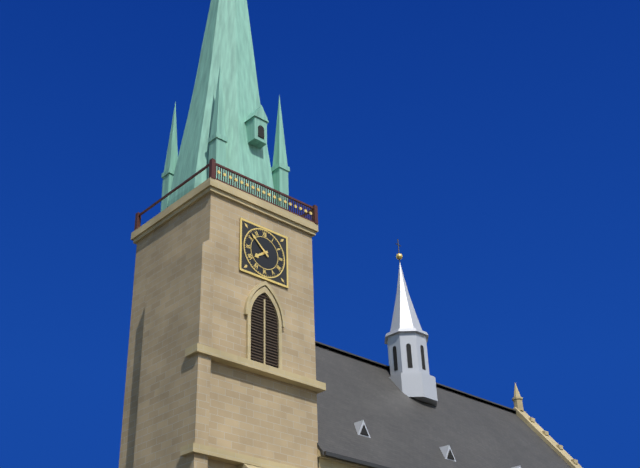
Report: 7 h 52 min
